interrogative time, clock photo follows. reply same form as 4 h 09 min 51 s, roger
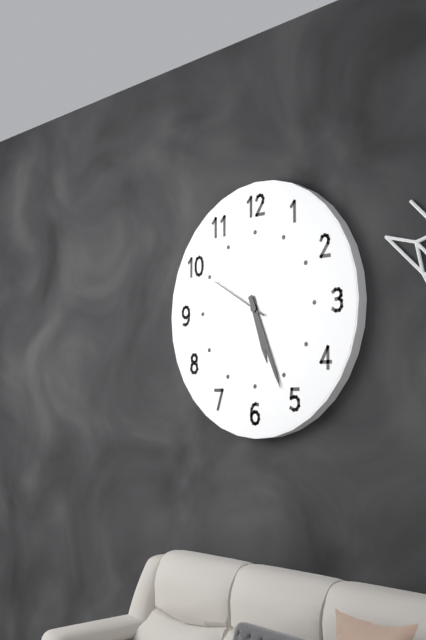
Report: 5 h 26 min 50 s
